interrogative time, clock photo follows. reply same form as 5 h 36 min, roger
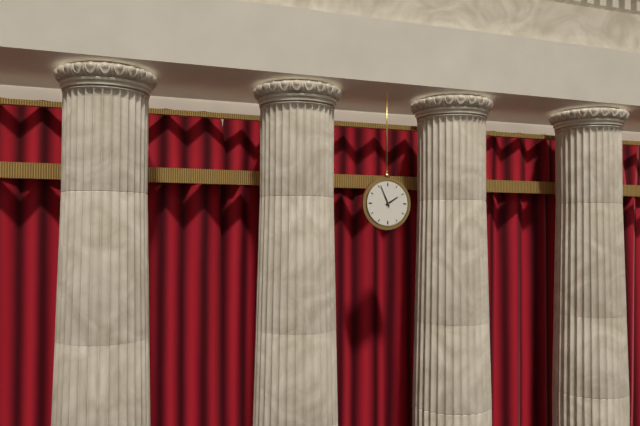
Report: 1 h 56 min
